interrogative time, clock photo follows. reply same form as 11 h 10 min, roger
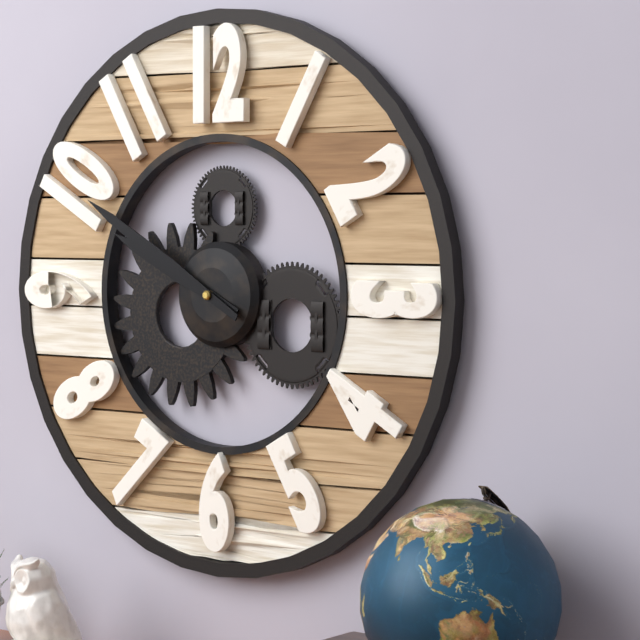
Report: 9 h 50 min
